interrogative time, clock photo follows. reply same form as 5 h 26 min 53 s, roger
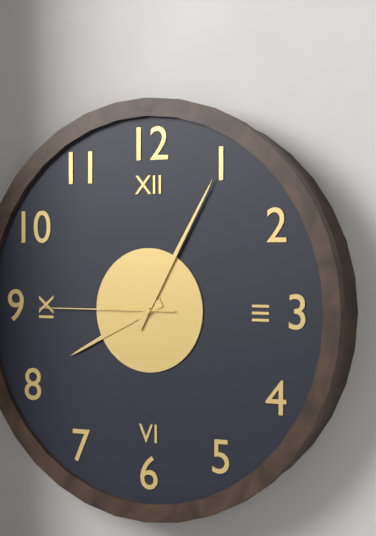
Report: 8 h 05 min 45 s
